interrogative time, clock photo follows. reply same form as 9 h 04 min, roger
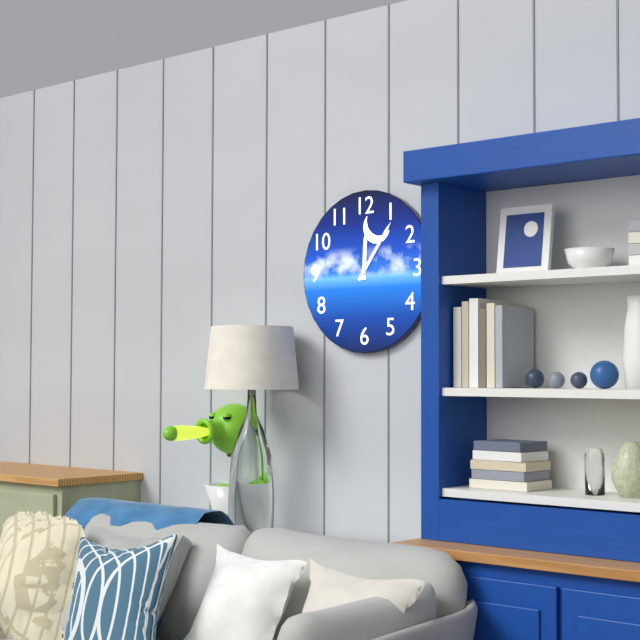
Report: 12 h 06 min
